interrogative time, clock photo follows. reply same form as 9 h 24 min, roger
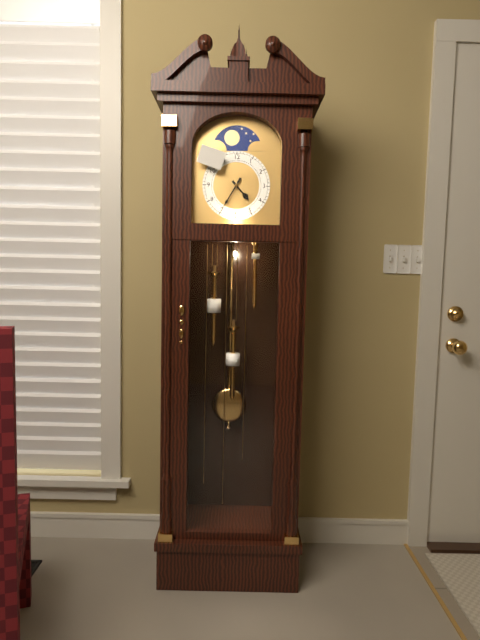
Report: 4 h 35 min
